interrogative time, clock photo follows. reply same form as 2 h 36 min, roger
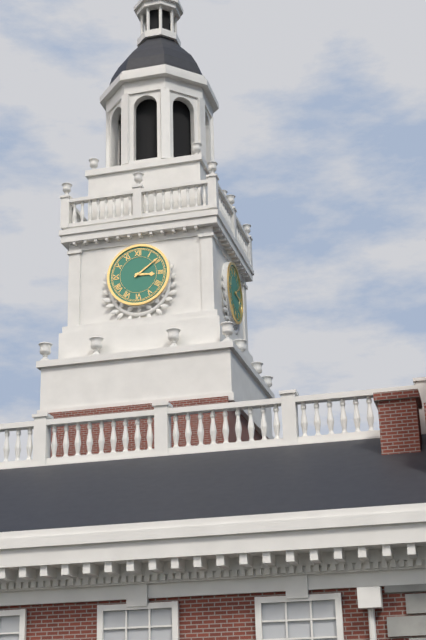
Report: 3 h 09 min
